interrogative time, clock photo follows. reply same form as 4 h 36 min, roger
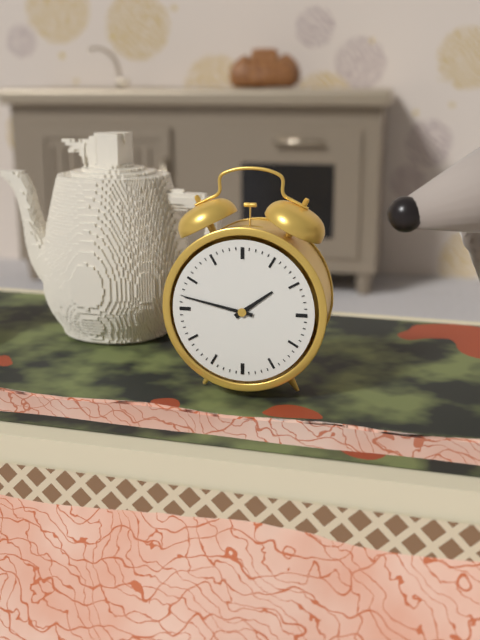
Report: 1 h 47 min
